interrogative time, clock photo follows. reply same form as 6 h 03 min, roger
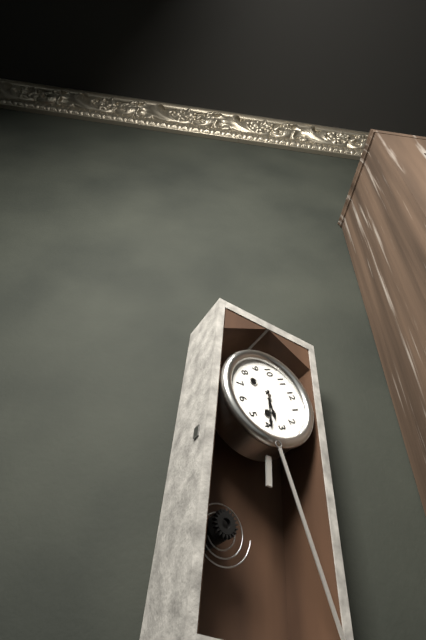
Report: 3 h 19 min
